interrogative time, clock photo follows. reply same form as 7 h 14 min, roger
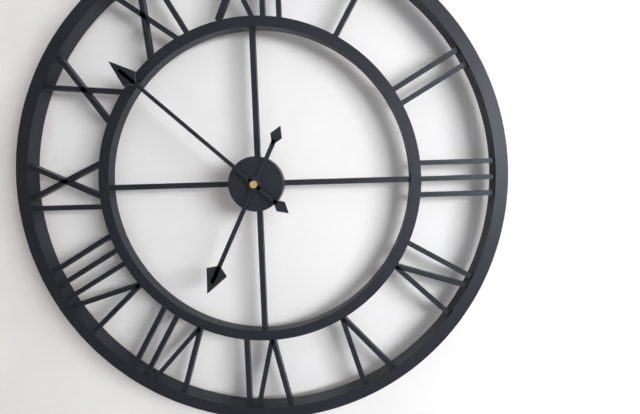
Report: 6 h 52 min
